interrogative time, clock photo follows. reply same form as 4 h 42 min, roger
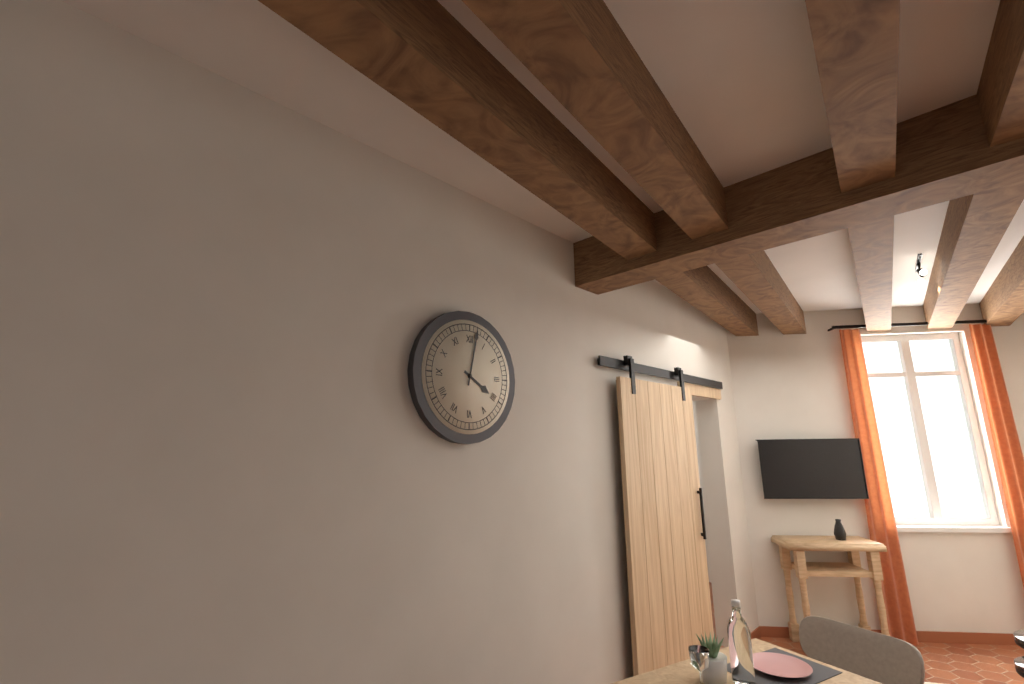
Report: 4 h 02 min
